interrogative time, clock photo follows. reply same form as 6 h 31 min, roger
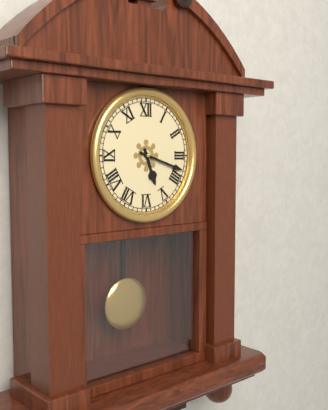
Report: 5 h 18 min
